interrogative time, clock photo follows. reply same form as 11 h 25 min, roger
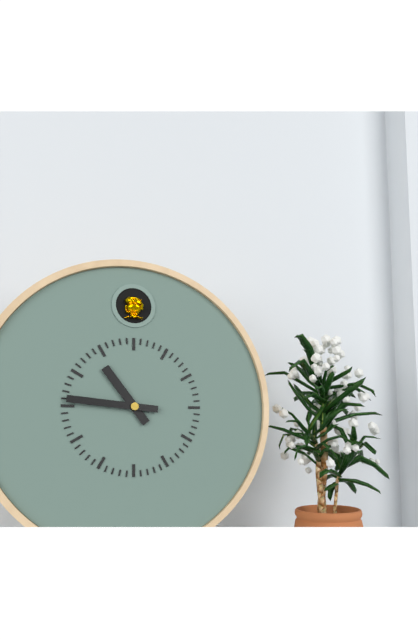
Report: 10 h 46 min
